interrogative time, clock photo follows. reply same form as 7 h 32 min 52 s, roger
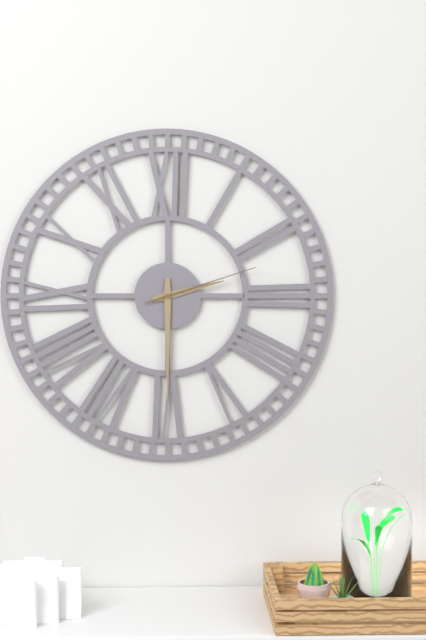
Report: 2 h 30 min 12 s
